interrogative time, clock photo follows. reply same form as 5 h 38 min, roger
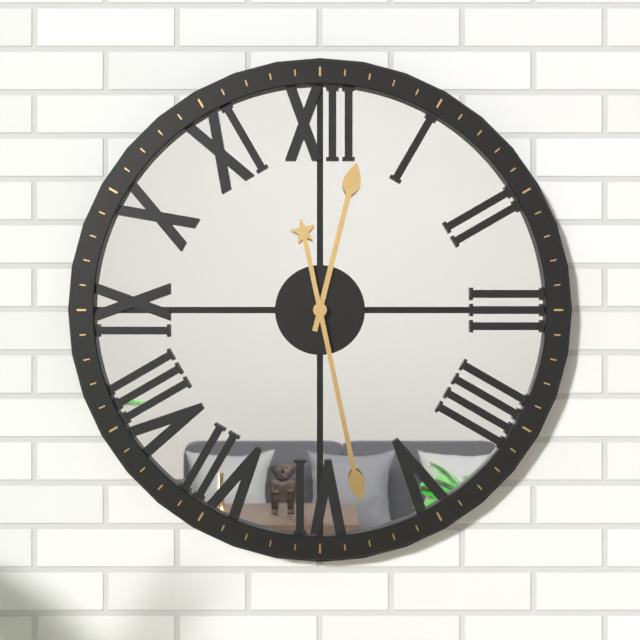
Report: 12 h 28 min
